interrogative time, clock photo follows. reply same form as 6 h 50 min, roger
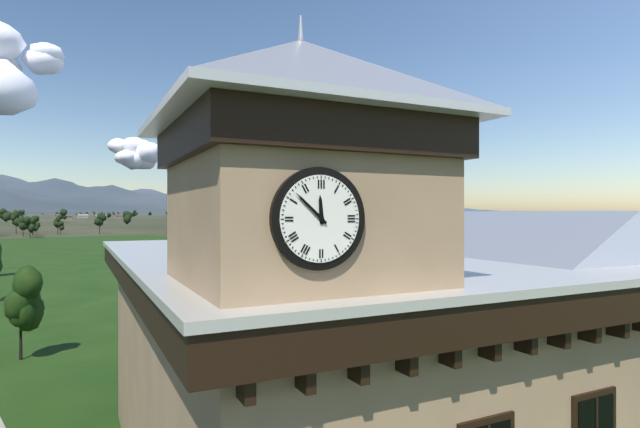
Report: 11 h 52 min
